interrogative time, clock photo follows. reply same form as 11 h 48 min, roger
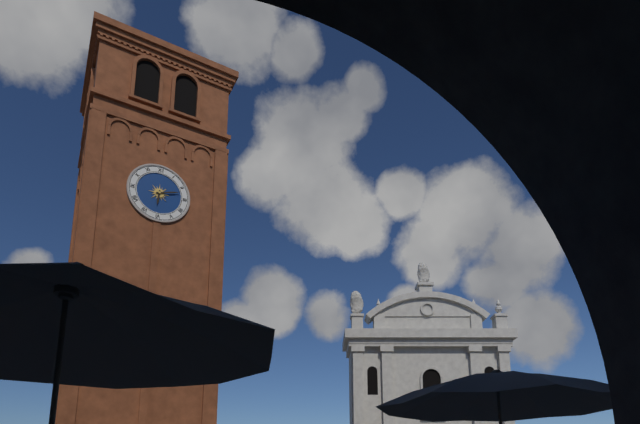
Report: 6 h 12 min
